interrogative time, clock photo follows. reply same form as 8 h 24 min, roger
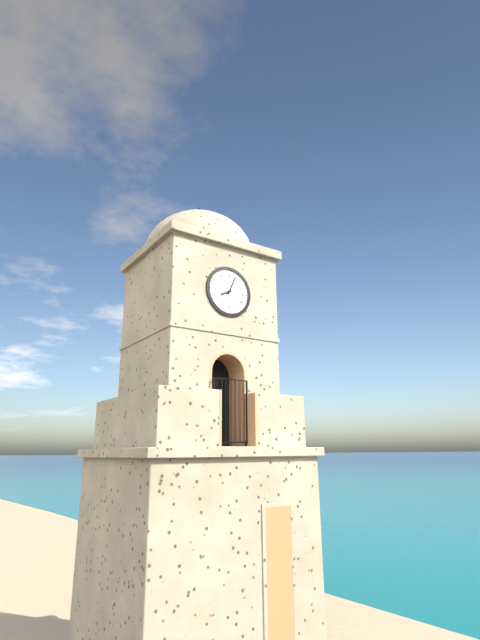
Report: 8 h 04 min
